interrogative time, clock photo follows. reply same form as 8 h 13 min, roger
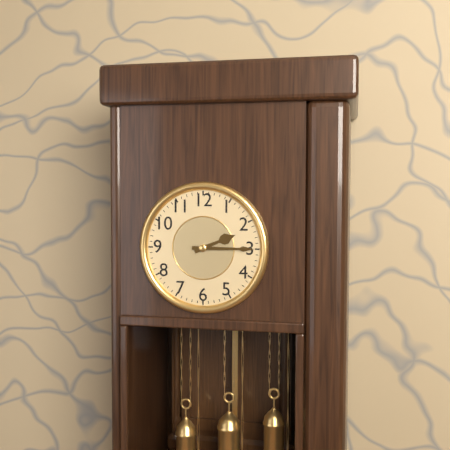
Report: 2 h 15 min
